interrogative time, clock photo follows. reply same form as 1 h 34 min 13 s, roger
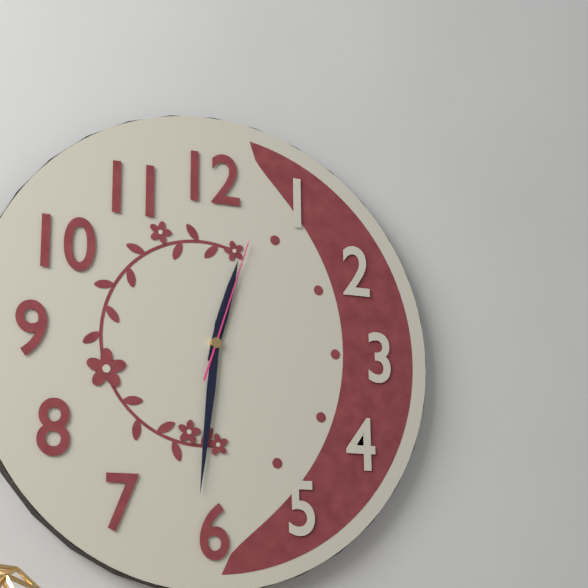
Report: 12 h 31 min 03 s
